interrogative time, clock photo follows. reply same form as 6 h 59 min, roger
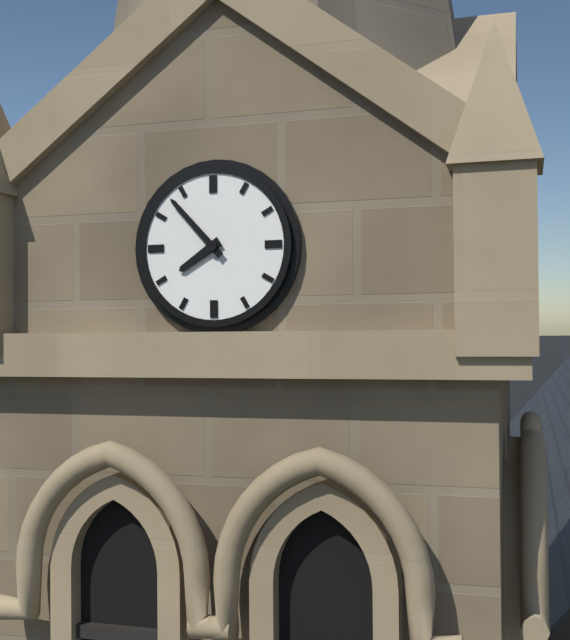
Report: 7 h 53 min
